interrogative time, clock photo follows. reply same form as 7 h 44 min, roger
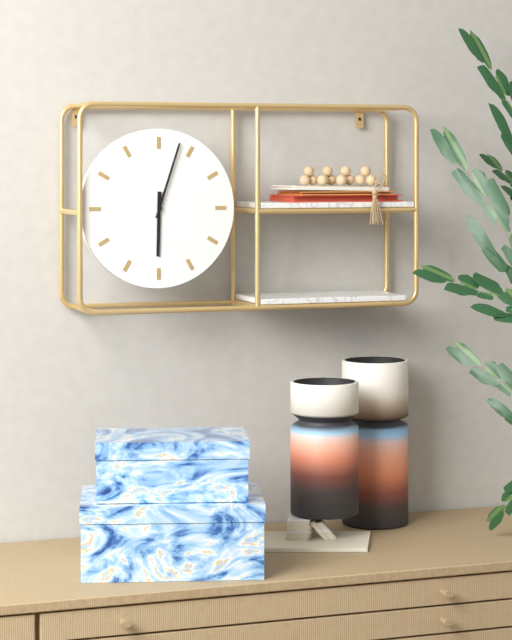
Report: 6 h 03 min
